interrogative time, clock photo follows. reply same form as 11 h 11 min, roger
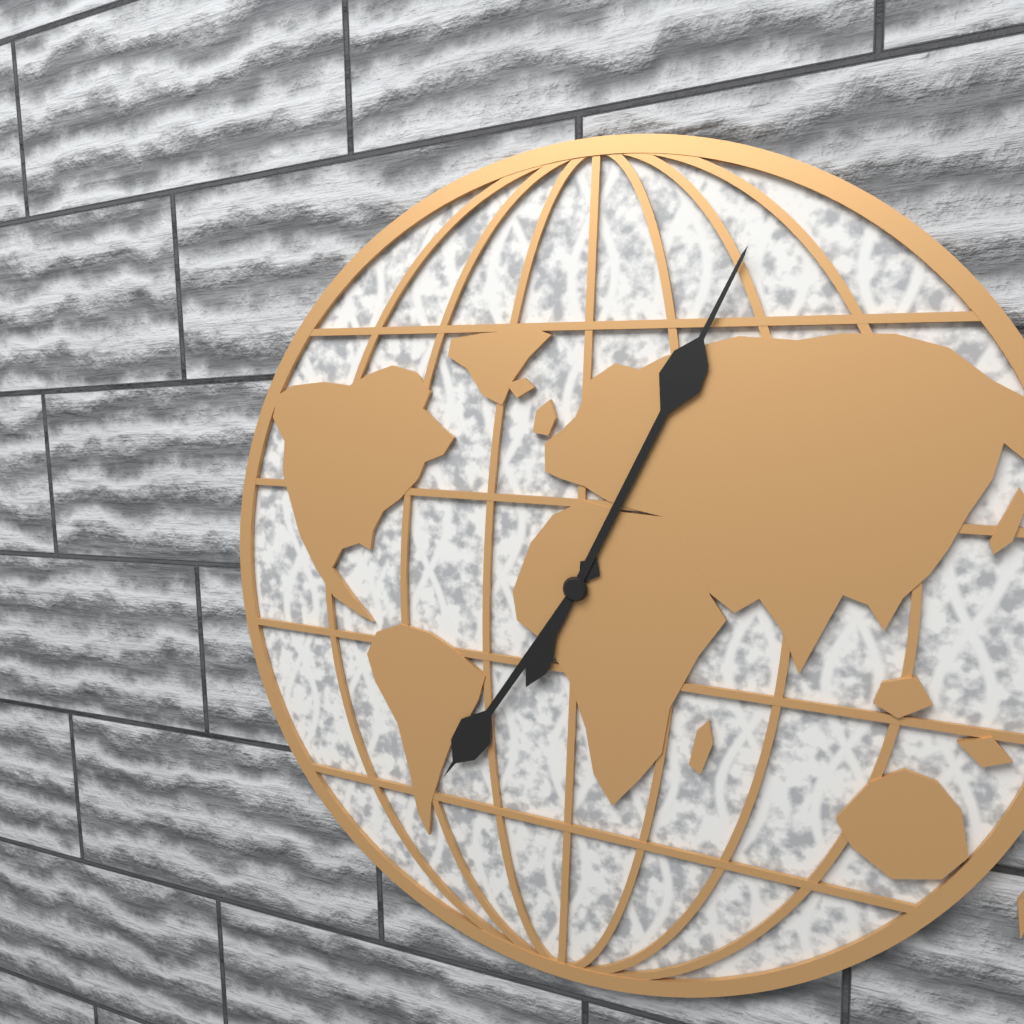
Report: 7 h 04 min
